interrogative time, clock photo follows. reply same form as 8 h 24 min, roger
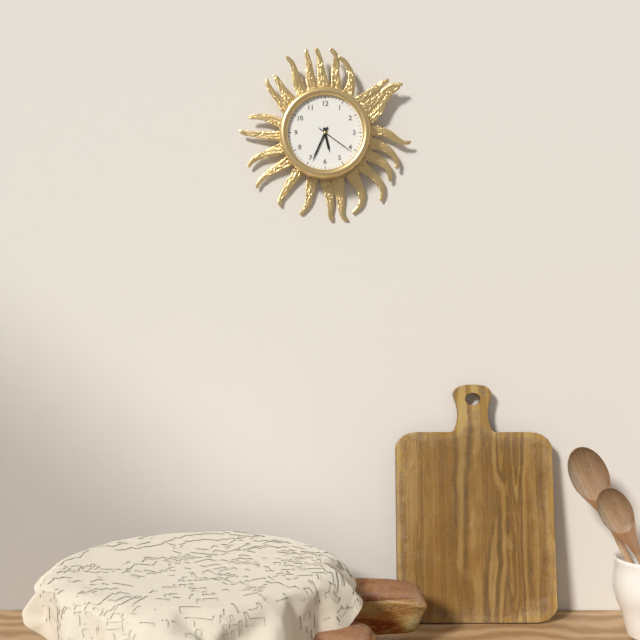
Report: 5 h 34 min
